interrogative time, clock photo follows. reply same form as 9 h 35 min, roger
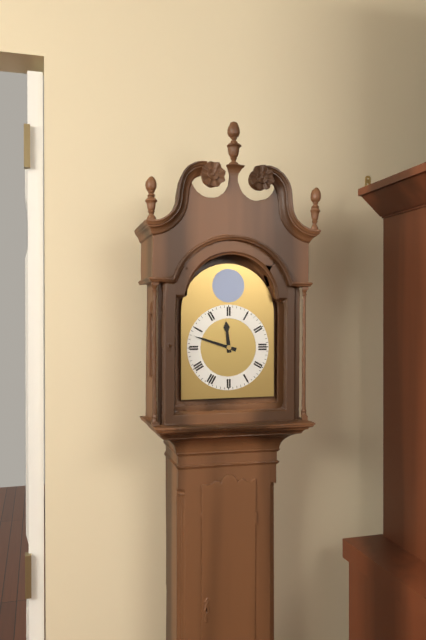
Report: 11 h 48 min
